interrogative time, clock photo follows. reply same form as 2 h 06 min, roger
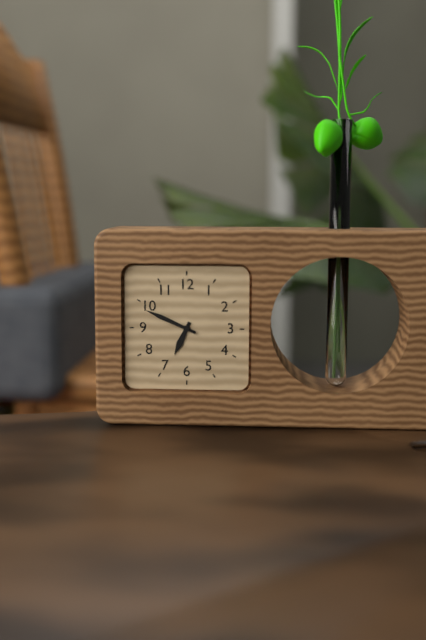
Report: 6 h 49 min
